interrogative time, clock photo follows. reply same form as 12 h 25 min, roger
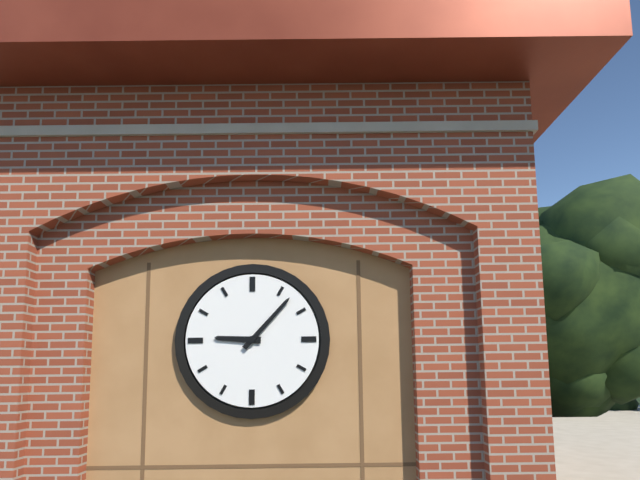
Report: 9 h 07 min
